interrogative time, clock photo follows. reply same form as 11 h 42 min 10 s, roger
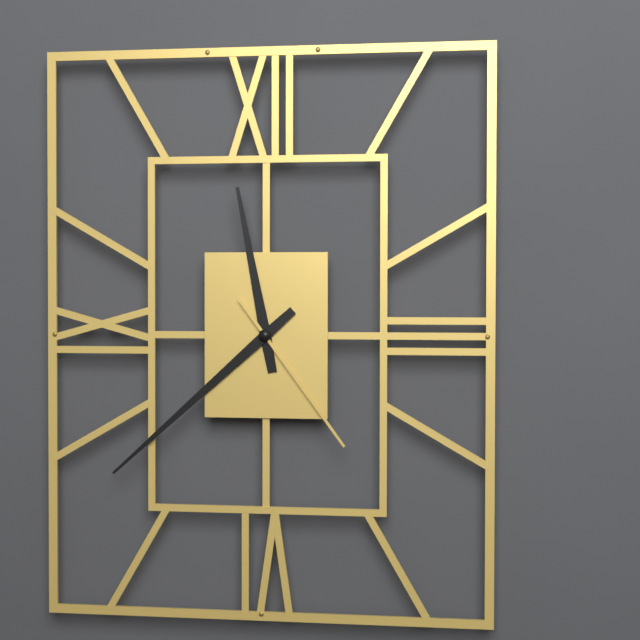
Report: 11 h 38 min 24 s
